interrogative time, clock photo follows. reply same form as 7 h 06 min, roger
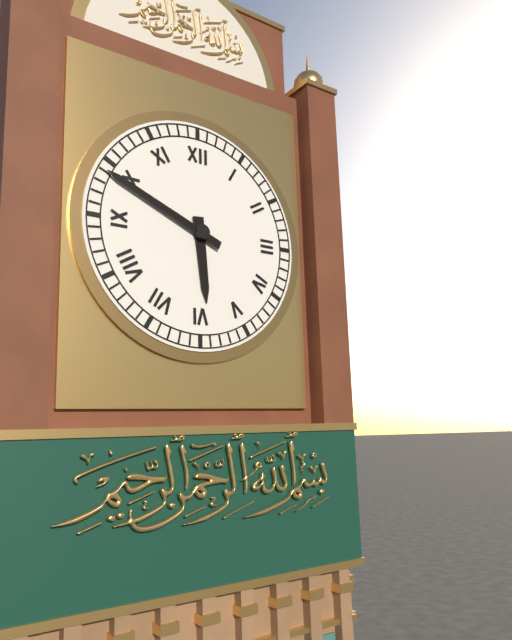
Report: 5 h 49 min
